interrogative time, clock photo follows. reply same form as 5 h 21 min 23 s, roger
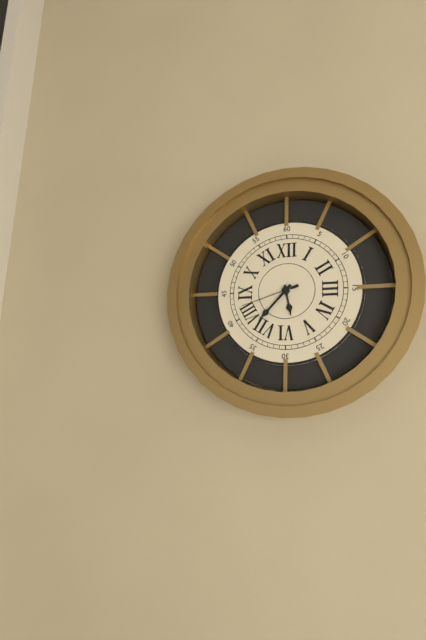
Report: 5 h 37 min 42 s
